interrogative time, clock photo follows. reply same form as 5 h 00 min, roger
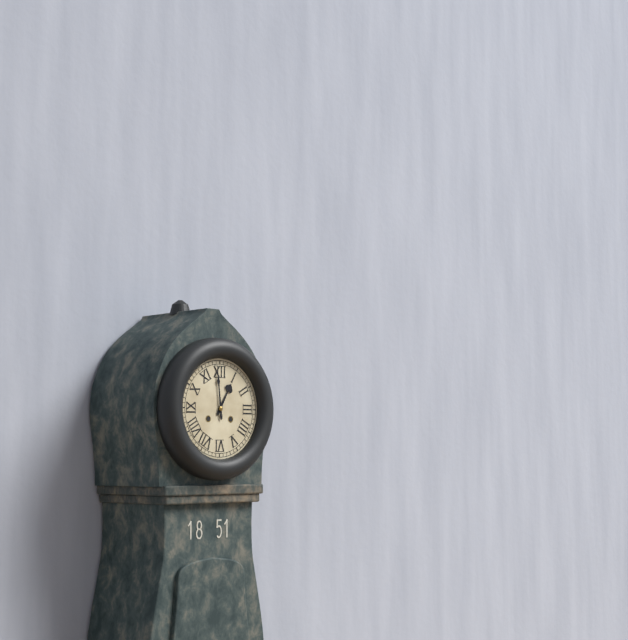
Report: 12 h 59 min
